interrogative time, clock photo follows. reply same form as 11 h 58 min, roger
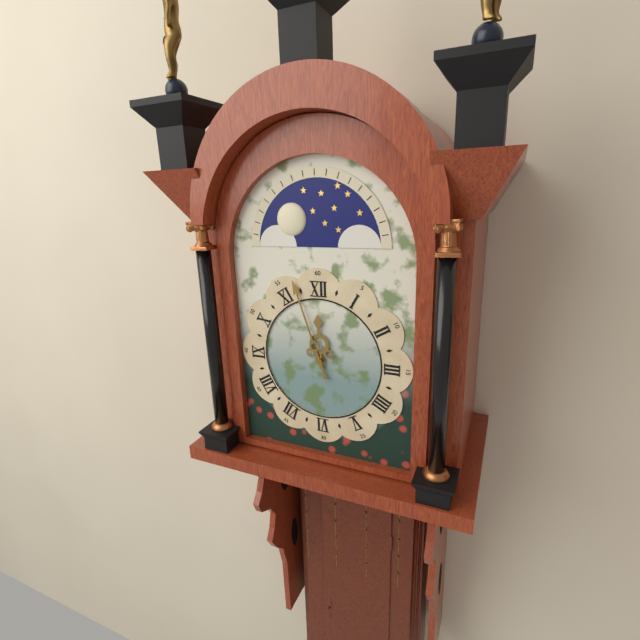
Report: 11 h 57 min
